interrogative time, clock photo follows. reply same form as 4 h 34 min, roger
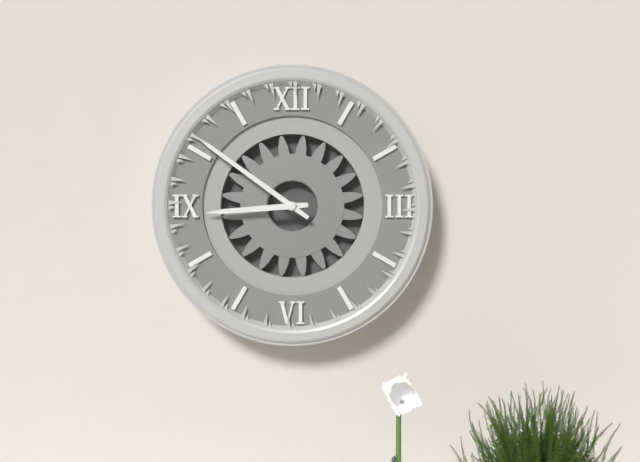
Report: 8 h 51 min
